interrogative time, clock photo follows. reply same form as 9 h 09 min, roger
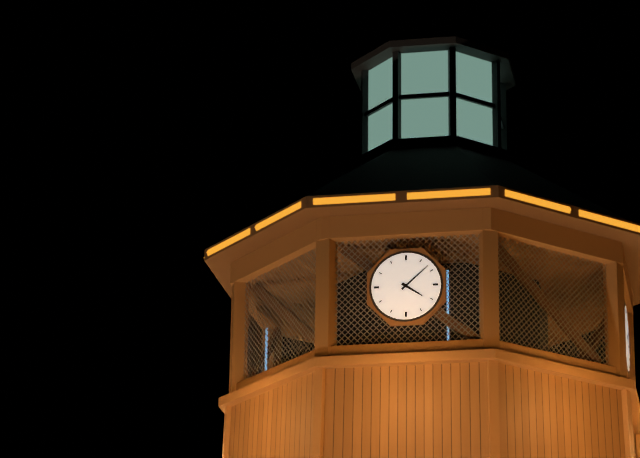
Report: 4 h 08 min
